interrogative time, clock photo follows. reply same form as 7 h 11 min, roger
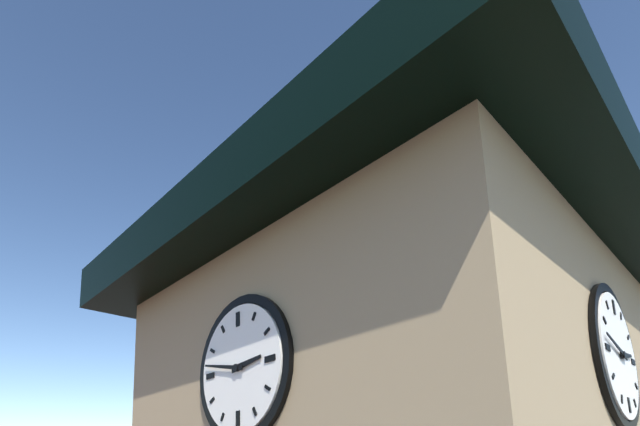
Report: 2 h 47 min
